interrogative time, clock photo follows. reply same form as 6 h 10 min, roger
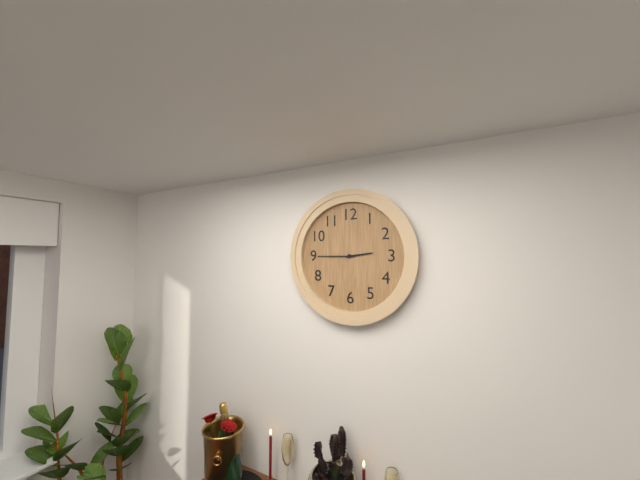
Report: 2 h 45 min
